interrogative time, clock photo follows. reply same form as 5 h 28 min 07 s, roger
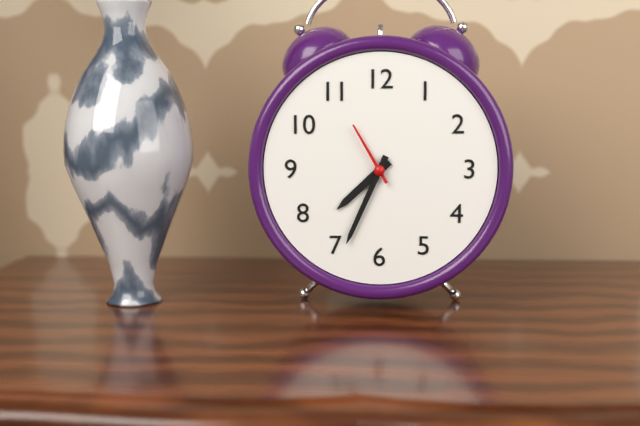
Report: 7 h 34 min 55 s
